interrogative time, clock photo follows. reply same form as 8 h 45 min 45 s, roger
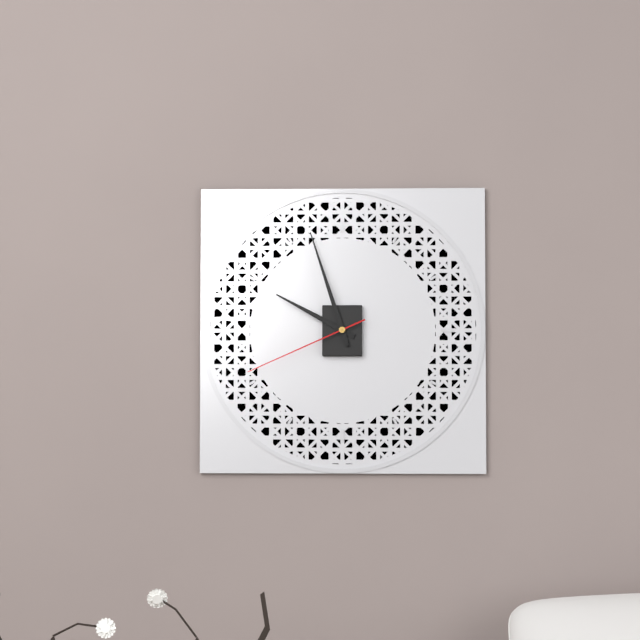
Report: 9 h 57 min 41 s
